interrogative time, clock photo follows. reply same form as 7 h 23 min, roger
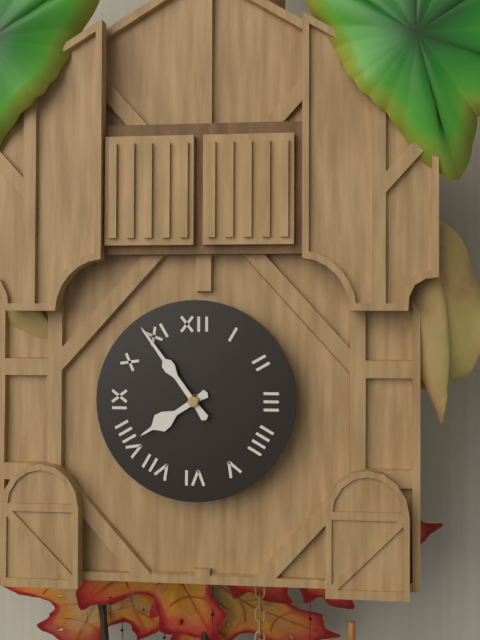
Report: 7 h 54 min
